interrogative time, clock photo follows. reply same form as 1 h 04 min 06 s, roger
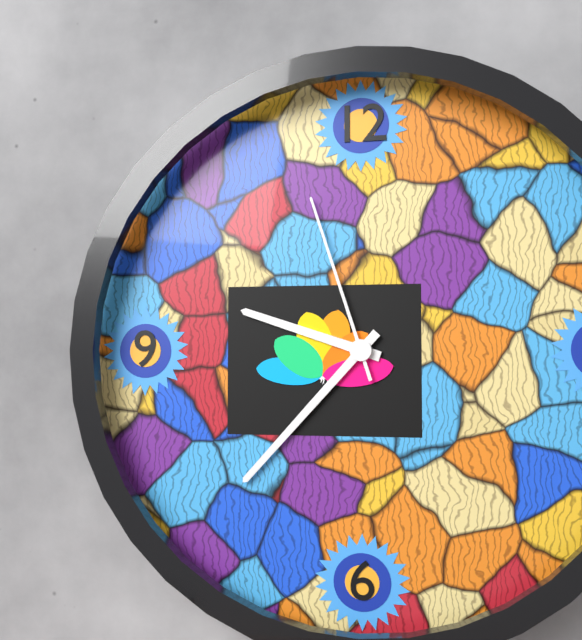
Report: 9 h 37 min 57 s
